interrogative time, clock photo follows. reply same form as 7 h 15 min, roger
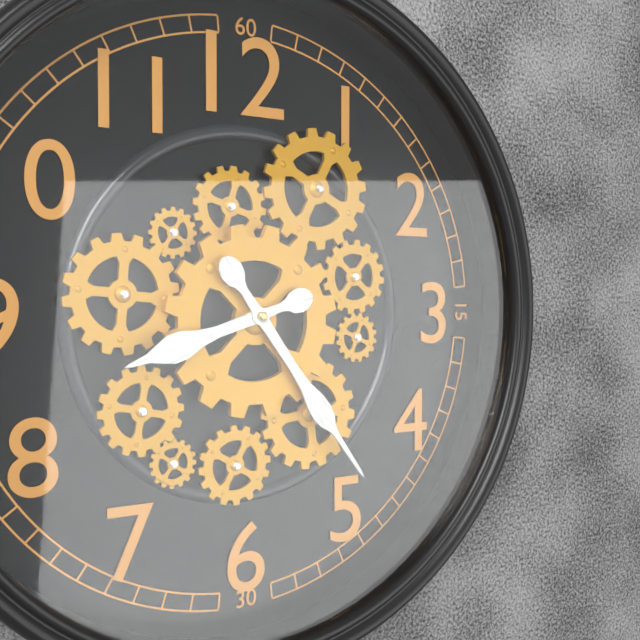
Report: 8 h 24 min
